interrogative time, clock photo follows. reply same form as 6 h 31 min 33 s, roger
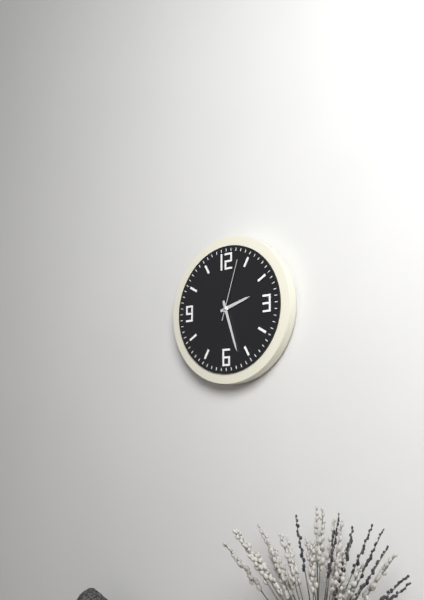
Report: 2 h 27 min 03 s
